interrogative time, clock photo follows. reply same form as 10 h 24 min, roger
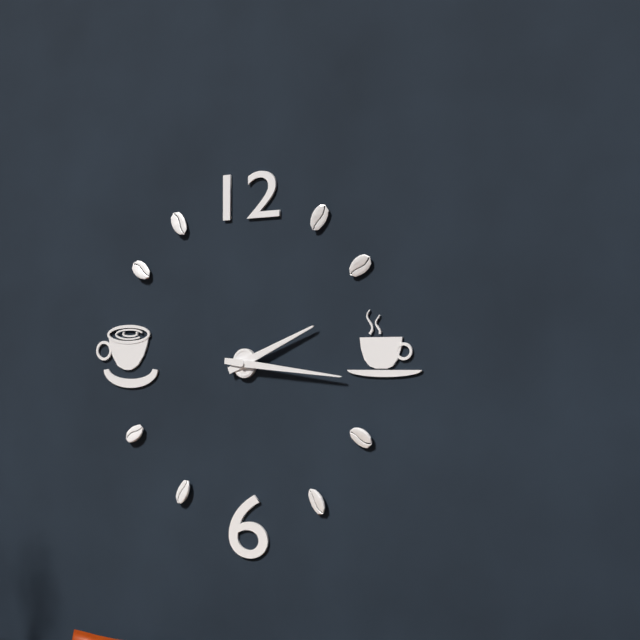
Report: 2 h 16 min
